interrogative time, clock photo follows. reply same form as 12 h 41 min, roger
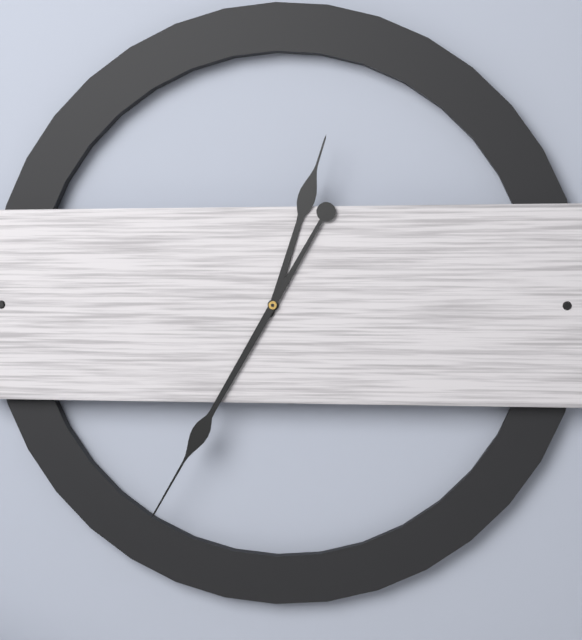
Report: 12 h 35 min
